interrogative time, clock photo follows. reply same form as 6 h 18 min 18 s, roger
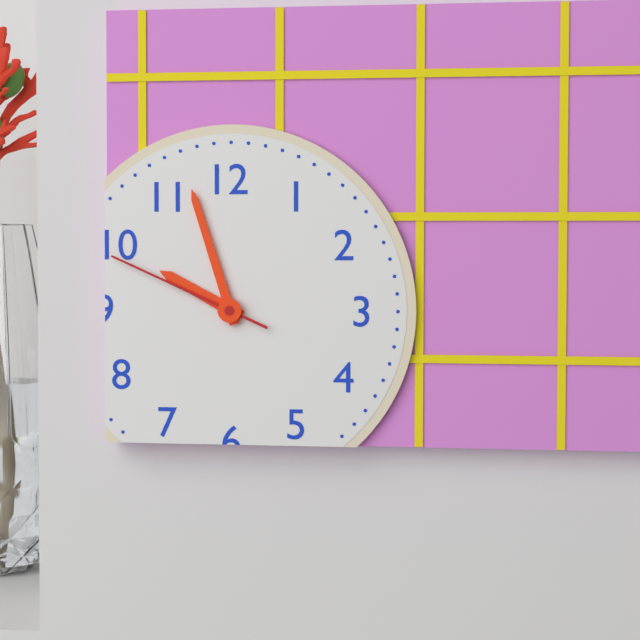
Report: 9 h 57 min 49 s
